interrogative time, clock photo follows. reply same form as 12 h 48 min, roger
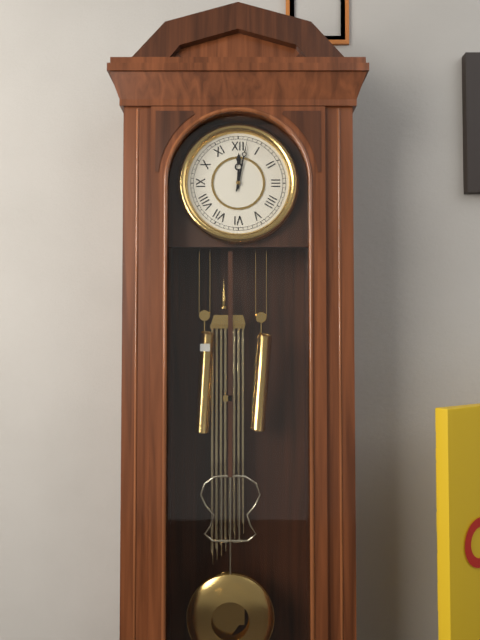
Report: 12 h 02 min
